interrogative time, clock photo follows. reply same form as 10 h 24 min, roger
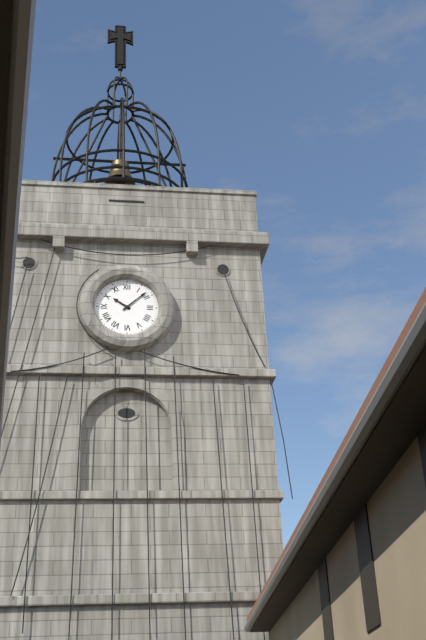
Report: 10 h 08 min
